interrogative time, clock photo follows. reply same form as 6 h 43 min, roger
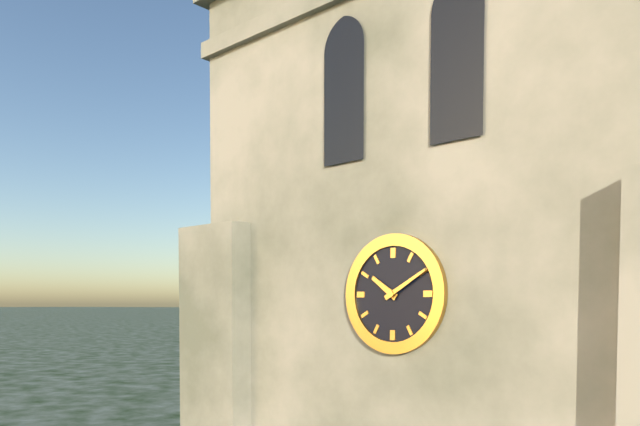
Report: 10 h 10 min
